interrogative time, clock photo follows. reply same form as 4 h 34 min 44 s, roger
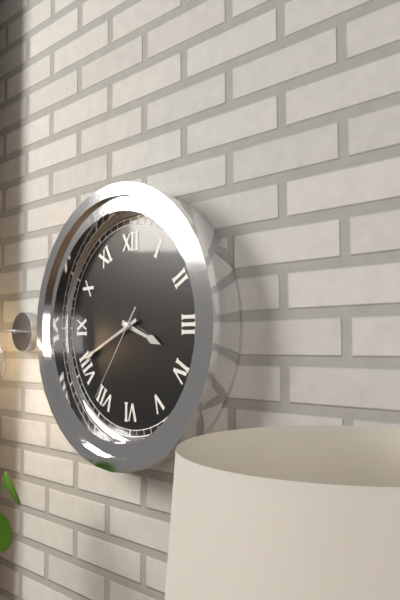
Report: 3 h 41 min 36 s
